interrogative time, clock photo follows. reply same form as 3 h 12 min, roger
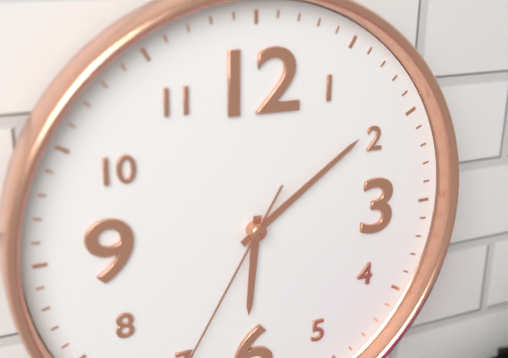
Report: 6 h 09 min
